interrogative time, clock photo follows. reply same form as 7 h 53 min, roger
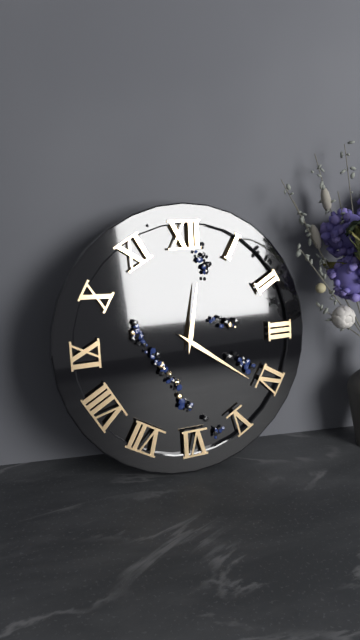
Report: 12 h 21 min
